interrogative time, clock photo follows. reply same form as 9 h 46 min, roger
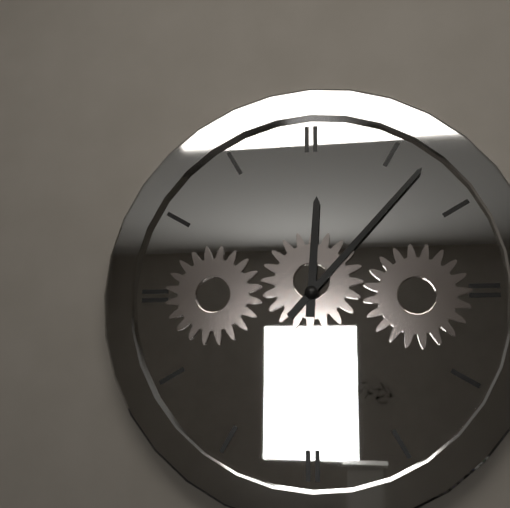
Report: 12 h 07 min
